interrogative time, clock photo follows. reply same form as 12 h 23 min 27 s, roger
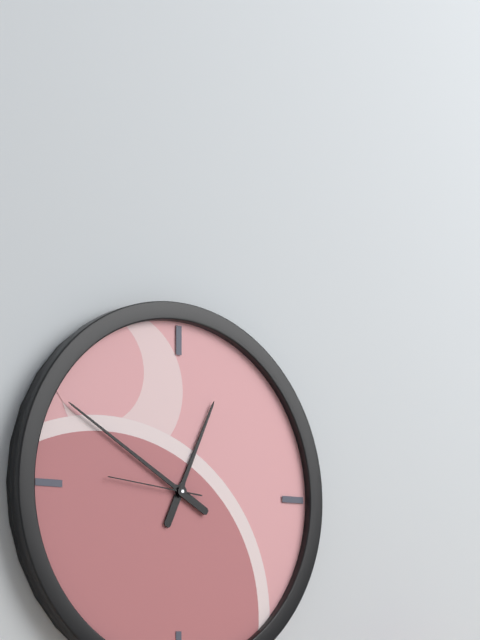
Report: 12 h 50 min 46 s
